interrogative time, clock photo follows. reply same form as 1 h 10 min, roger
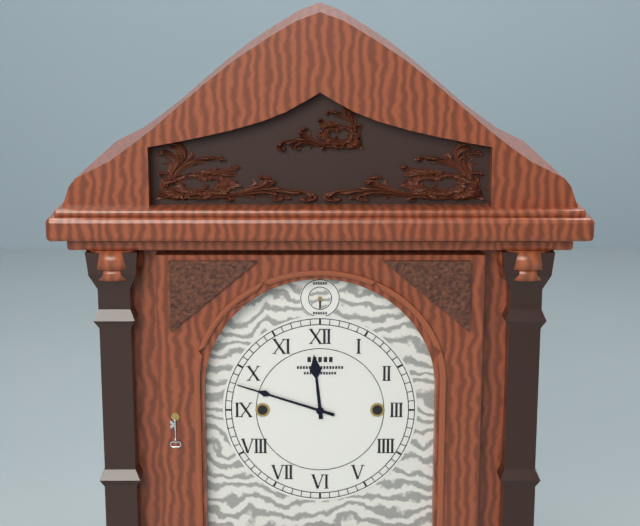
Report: 11 h 48 min
